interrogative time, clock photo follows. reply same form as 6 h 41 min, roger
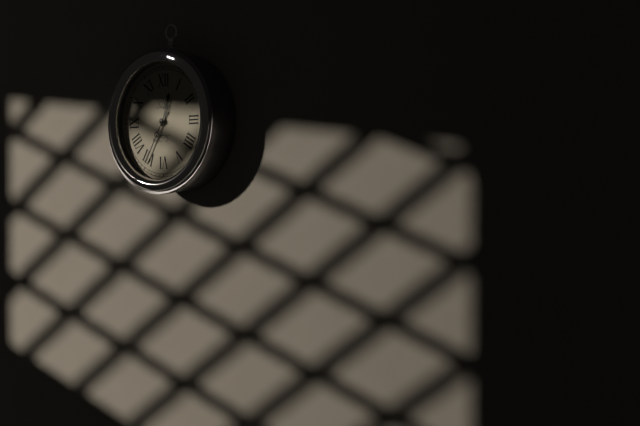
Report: 12 h 35 min
